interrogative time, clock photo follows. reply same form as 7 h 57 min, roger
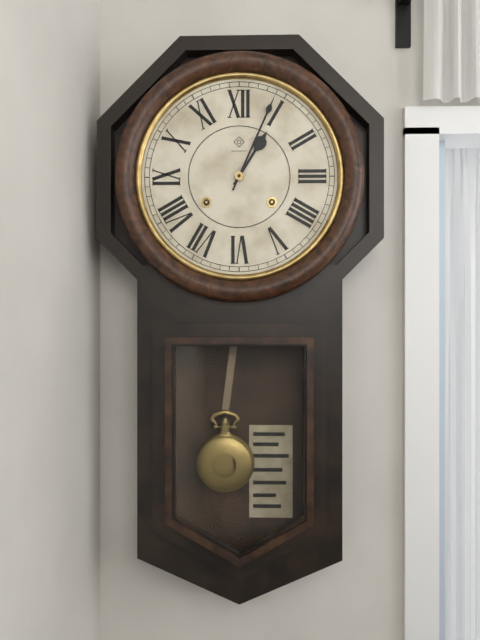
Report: 1 h 04 min
